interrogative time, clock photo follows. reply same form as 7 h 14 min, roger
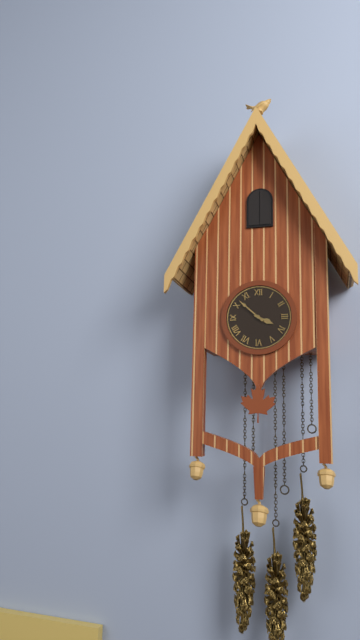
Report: 3 h 52 min
